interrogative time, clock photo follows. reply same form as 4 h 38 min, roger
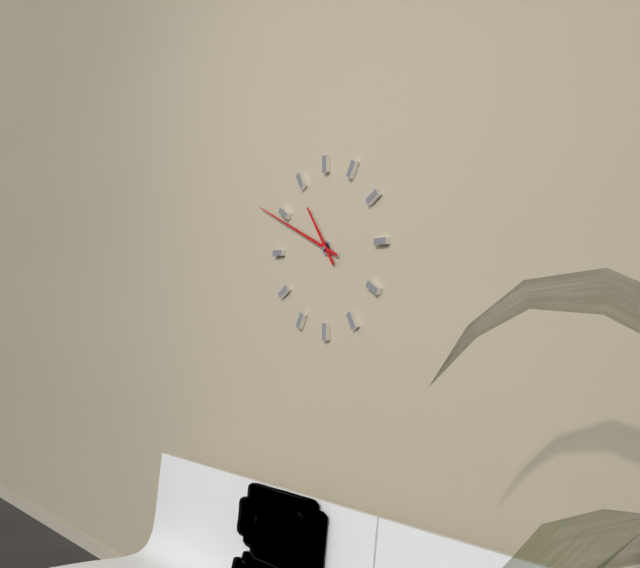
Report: 10 h 49 min
